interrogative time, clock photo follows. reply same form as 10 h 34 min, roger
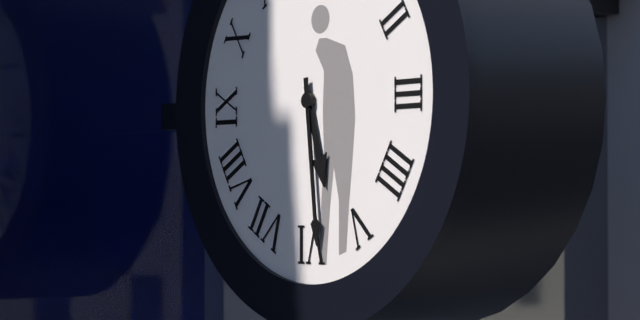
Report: 5 h 29 min
